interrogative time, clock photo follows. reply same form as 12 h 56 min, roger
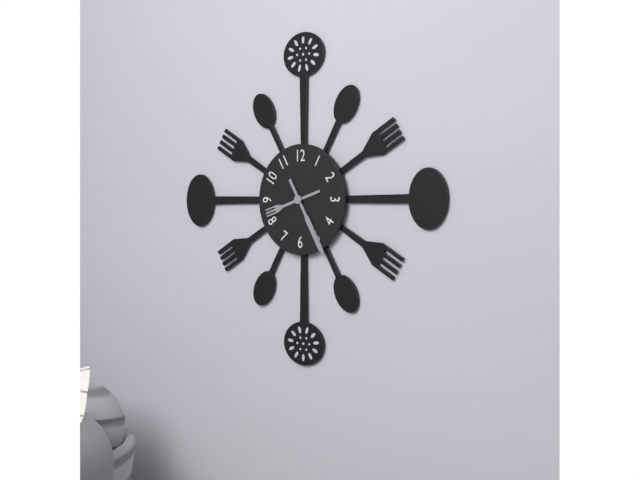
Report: 8 h 25 min
